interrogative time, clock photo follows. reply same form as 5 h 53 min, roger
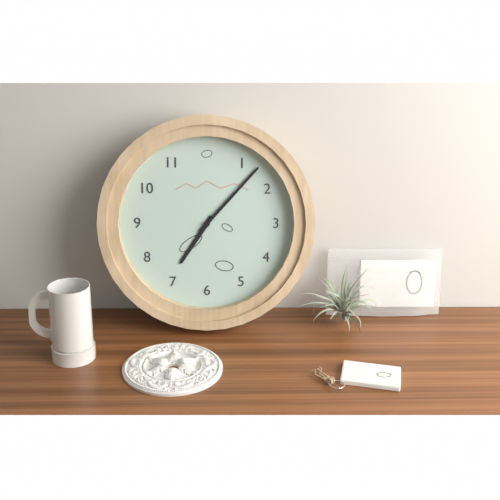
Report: 7 h 07 min
